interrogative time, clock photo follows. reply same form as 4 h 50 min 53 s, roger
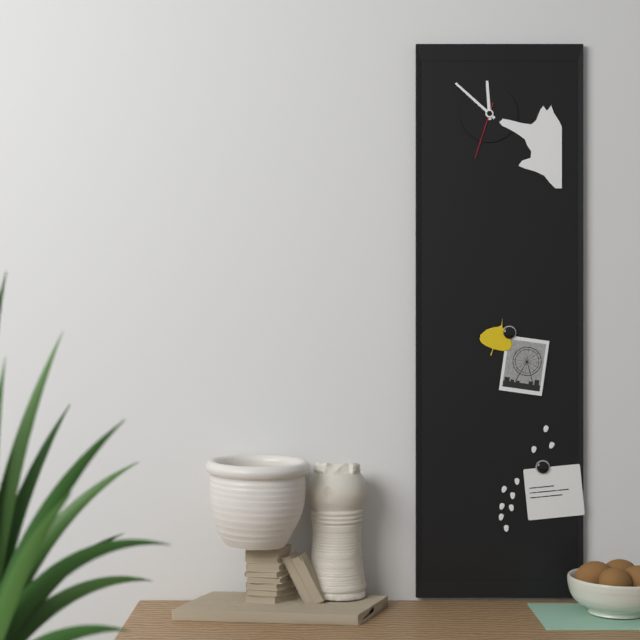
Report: 11 h 52 min 33 s
